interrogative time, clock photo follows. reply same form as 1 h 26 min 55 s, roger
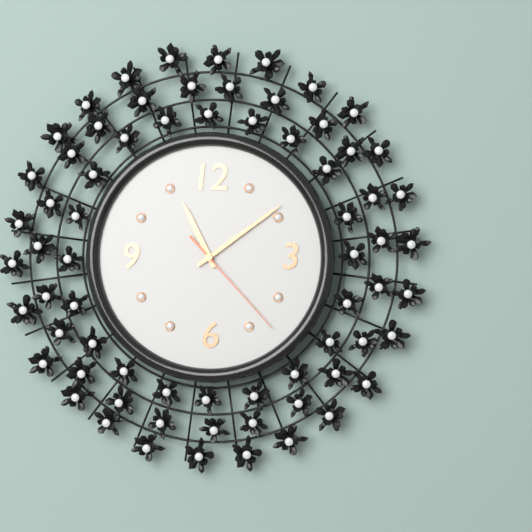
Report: 11 h 09 min 23 s
